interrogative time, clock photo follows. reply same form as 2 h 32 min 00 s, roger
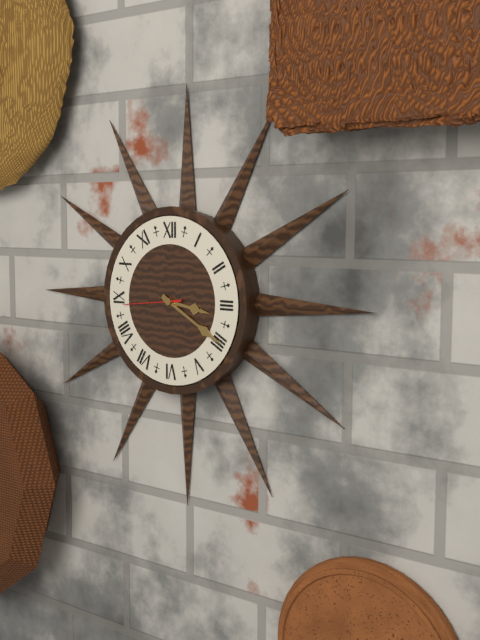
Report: 3 h 20 min 44 s
